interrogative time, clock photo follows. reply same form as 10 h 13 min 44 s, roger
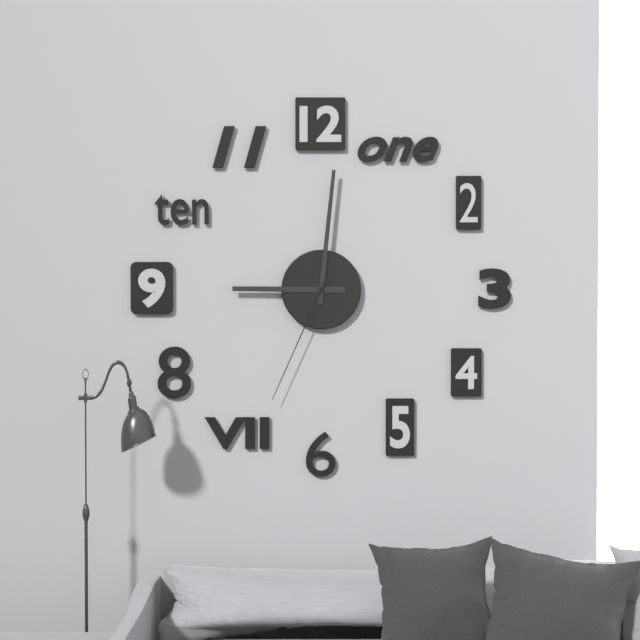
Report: 9 h 01 min 34 s
